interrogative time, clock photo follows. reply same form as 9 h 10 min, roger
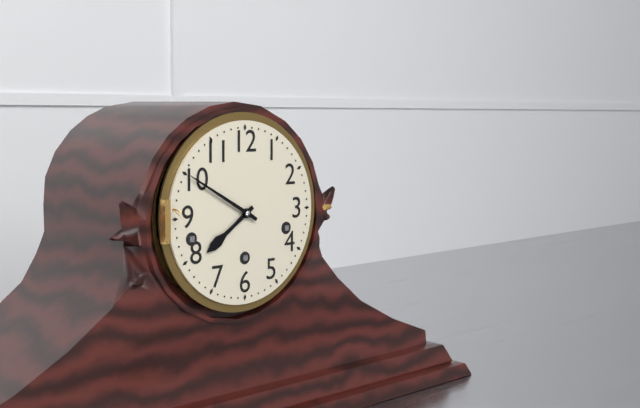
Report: 7 h 50 min
